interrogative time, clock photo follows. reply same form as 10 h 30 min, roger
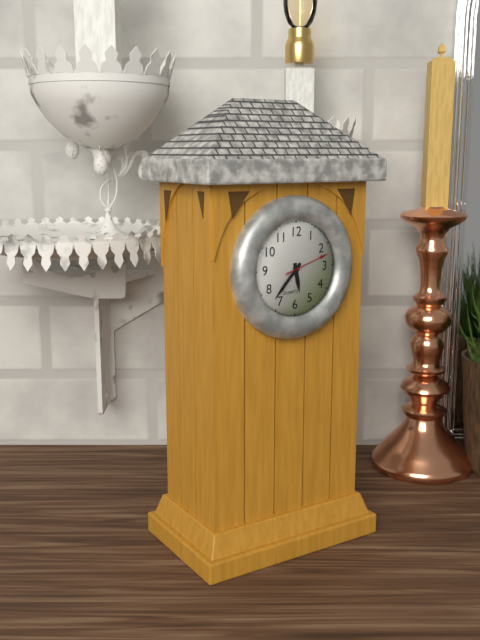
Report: 5 h 37 min
